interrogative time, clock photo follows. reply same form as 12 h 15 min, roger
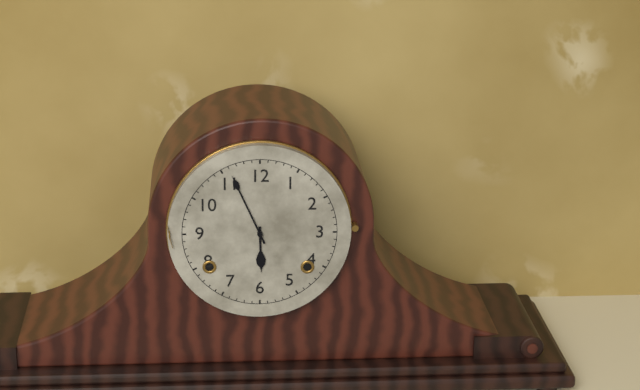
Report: 5 h 56 min
